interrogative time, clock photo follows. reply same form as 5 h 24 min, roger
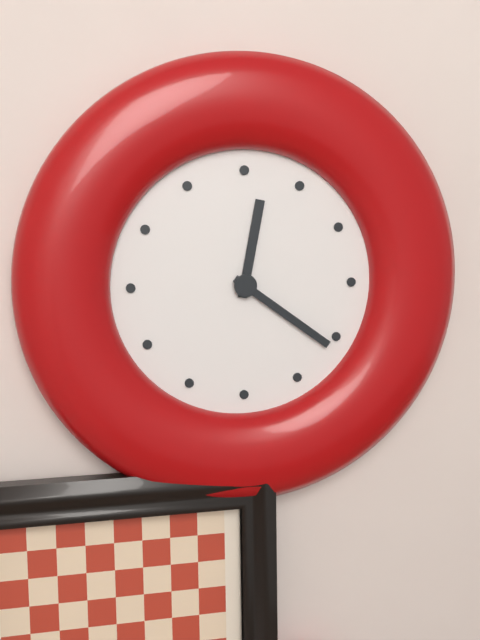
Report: 12 h 21 min
